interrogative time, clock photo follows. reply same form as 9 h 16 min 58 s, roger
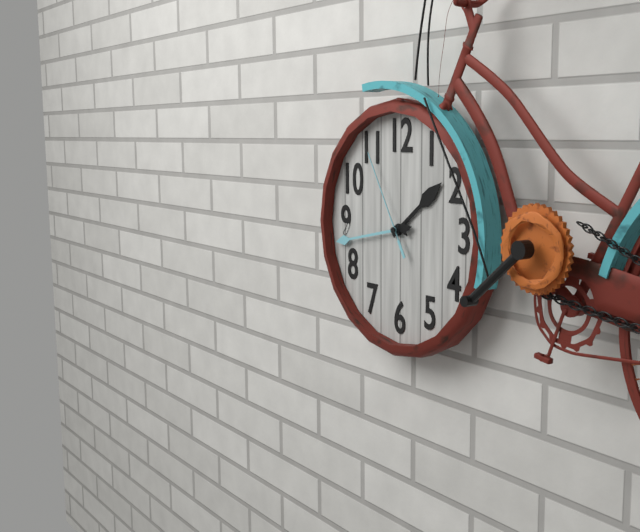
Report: 1 h 43 min 55 s
